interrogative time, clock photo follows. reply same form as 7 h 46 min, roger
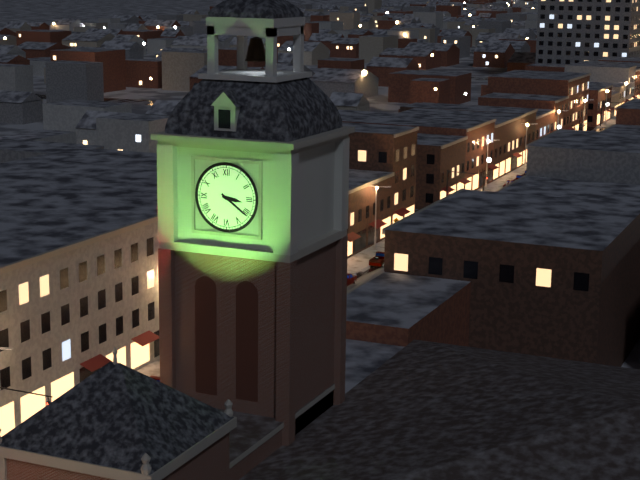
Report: 3 h 21 min
